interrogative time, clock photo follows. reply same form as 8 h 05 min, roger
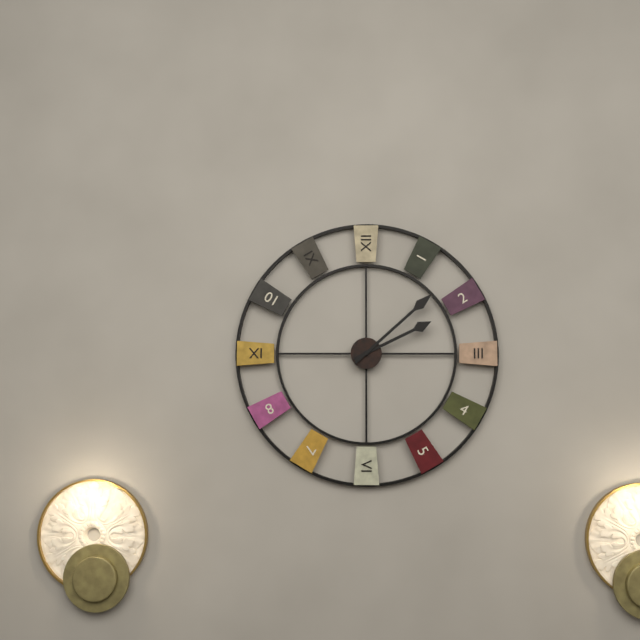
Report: 2 h 08 min
